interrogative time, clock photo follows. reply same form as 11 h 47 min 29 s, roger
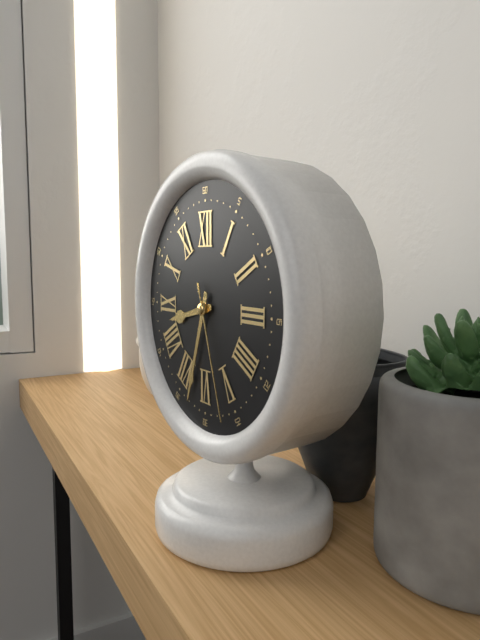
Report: 8 h 33 min 27 s
